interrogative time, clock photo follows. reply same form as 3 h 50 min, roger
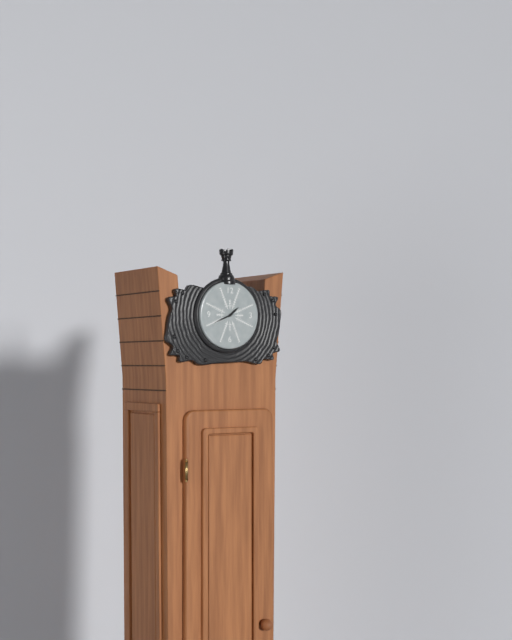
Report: 1 h 41 min
